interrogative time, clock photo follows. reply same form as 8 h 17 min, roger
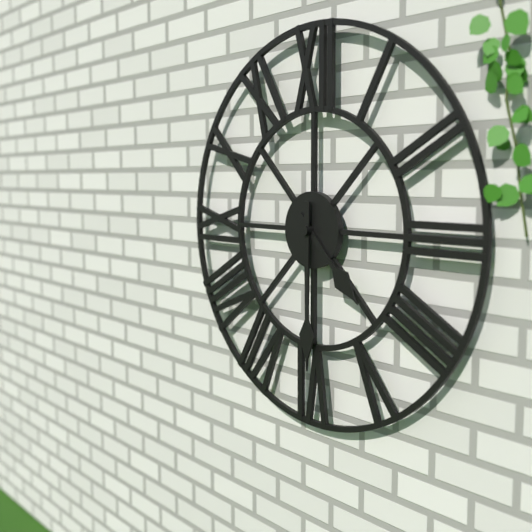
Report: 4 h 30 min
